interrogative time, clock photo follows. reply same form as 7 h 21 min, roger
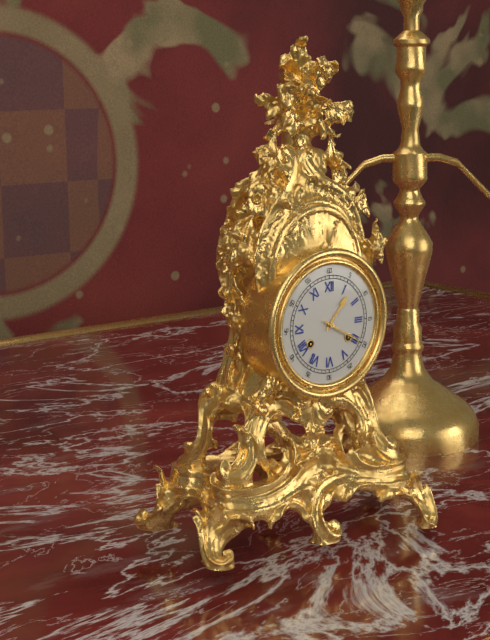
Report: 1 h 20 min
